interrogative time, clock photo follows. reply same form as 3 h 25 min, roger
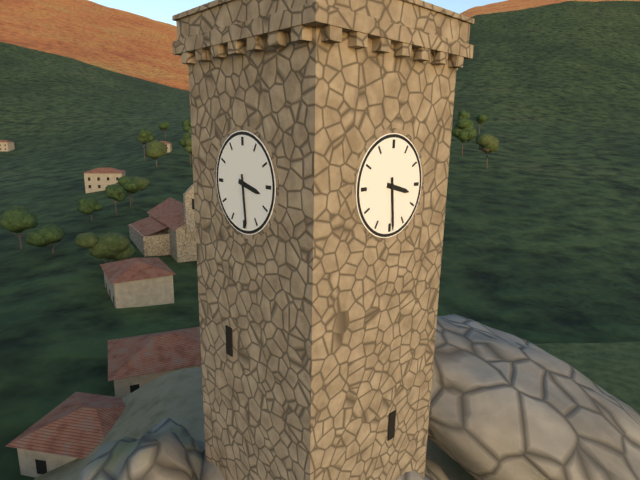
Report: 3 h 29 min
